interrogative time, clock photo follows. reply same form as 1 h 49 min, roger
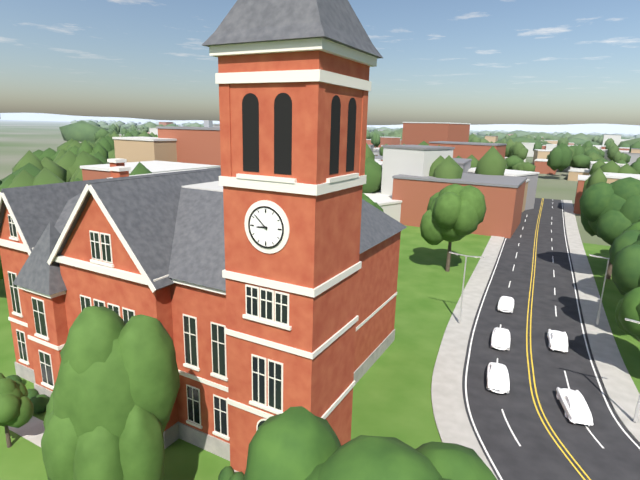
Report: 8 h 52 min
